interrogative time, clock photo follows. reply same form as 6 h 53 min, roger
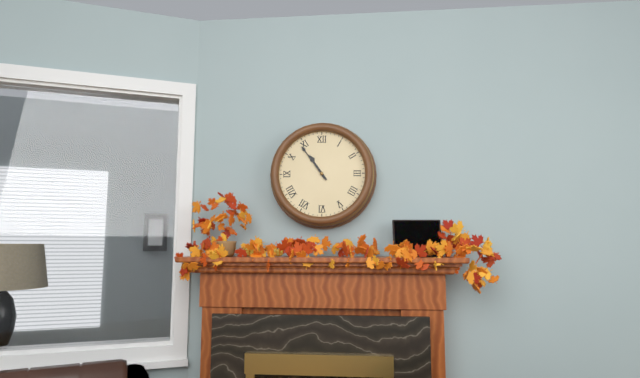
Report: 10 h 54 min
